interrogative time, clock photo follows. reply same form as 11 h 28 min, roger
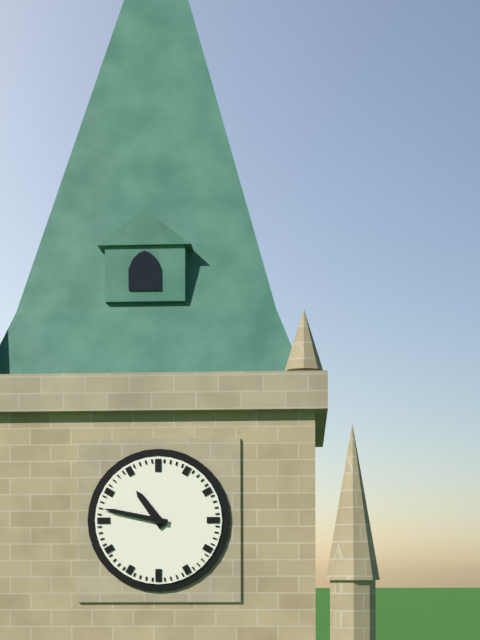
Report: 10 h 47 min
